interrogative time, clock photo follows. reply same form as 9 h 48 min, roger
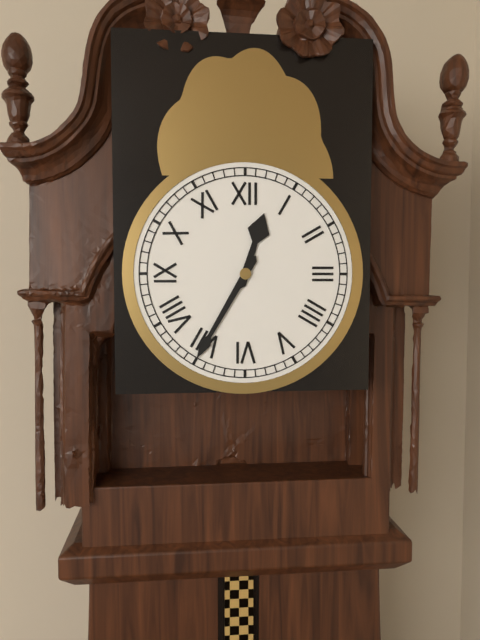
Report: 12 h 35 min
